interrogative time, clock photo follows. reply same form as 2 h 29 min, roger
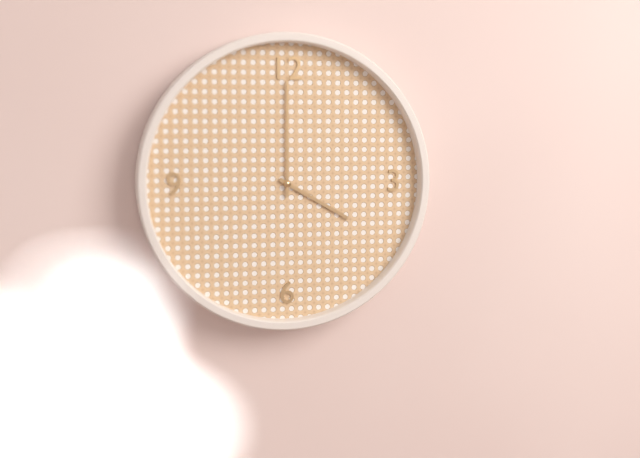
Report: 4 h 00 min
